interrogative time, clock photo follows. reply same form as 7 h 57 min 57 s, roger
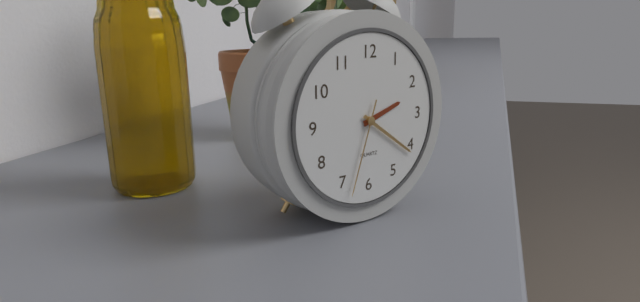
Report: 2 h 21 min 33 s
